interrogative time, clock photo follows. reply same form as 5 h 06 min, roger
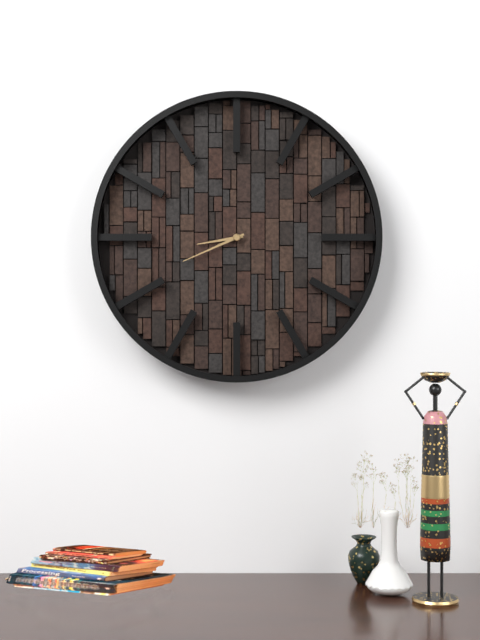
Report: 8 h 41 min
